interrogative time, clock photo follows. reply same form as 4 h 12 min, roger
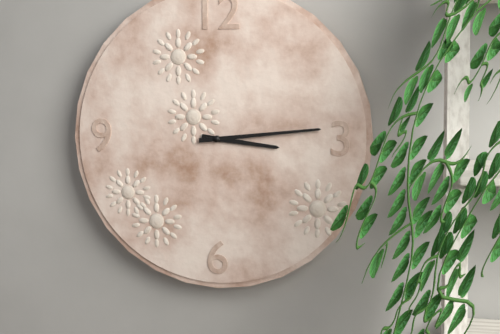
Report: 3 h 14 min
